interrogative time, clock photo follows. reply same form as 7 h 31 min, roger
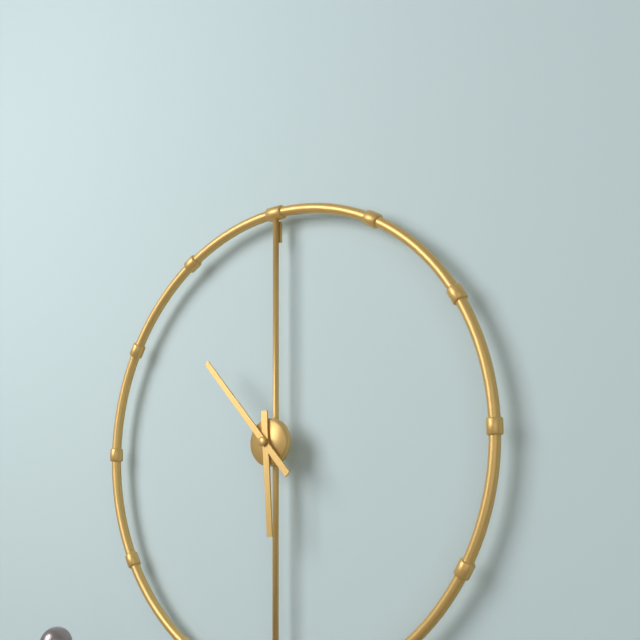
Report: 5 h 53 min
